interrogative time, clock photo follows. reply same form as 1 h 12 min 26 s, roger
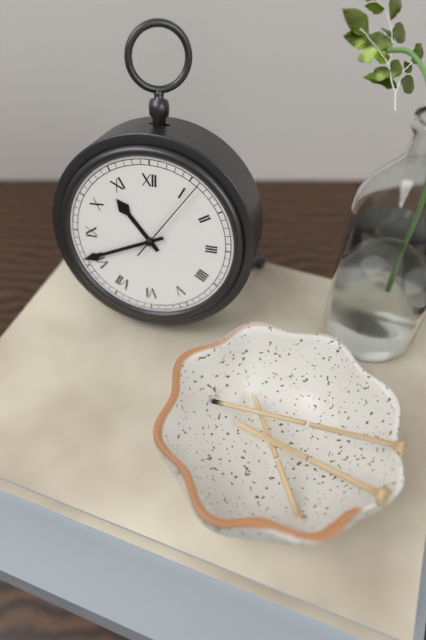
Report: 10 h 41 min 06 s
